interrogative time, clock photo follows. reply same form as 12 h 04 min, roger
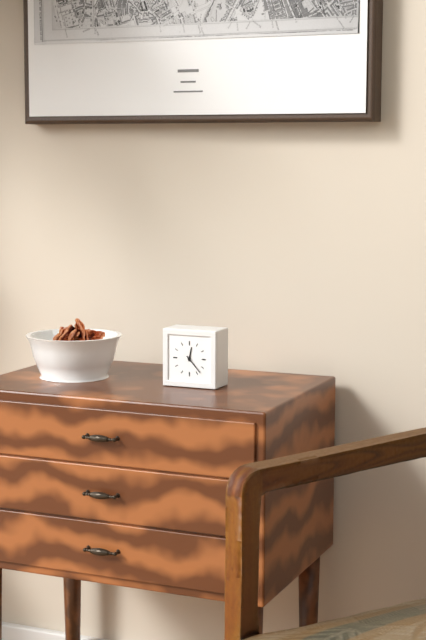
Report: 12 h 23 min
